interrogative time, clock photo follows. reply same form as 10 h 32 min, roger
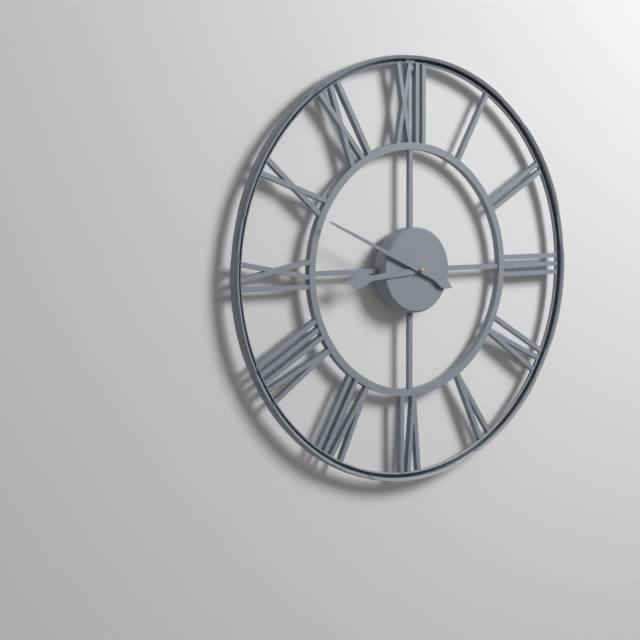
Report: 8 h 49 min
